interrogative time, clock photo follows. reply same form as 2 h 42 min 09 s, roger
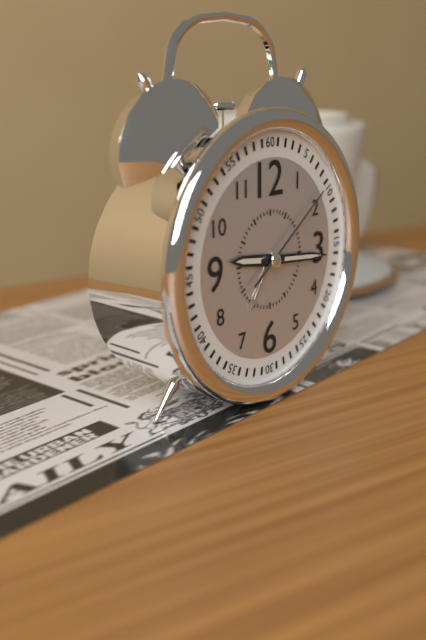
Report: 9 h 16 min 09 s
